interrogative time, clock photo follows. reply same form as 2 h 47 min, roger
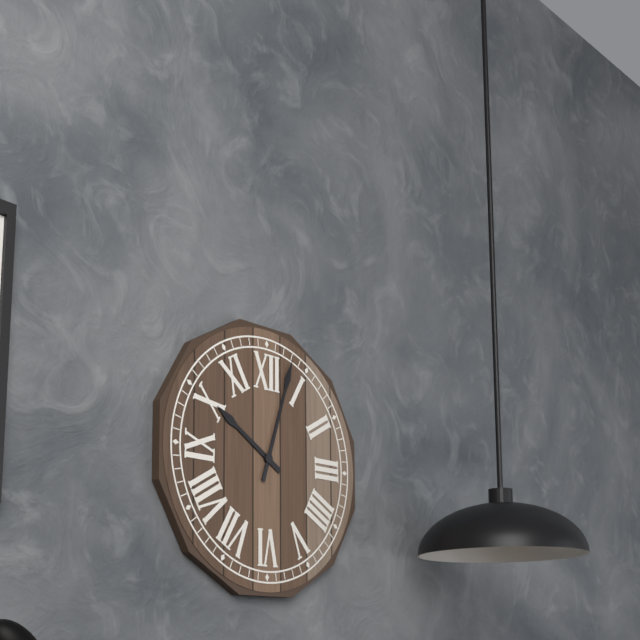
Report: 10 h 03 min
